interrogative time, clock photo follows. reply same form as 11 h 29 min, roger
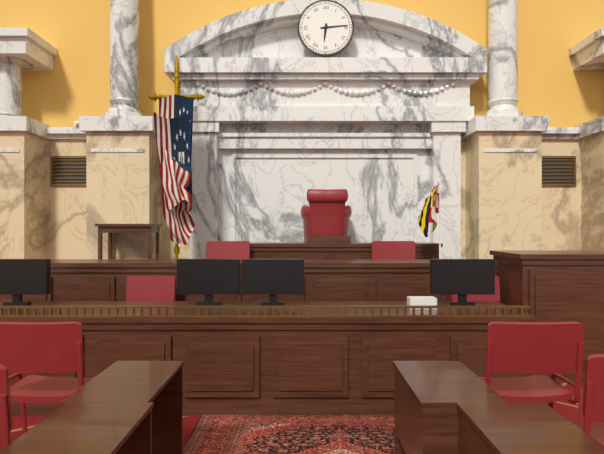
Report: 6 h 14 min
